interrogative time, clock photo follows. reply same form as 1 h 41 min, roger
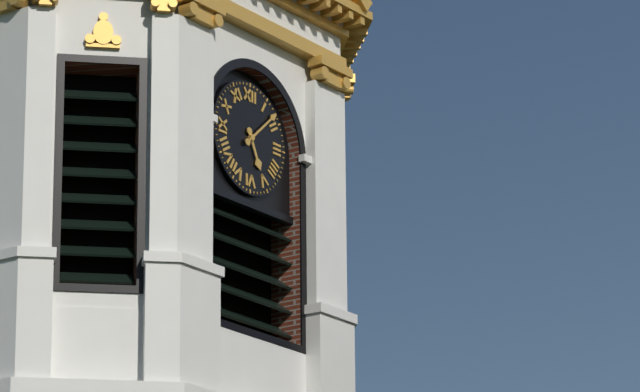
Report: 5 h 08 min
